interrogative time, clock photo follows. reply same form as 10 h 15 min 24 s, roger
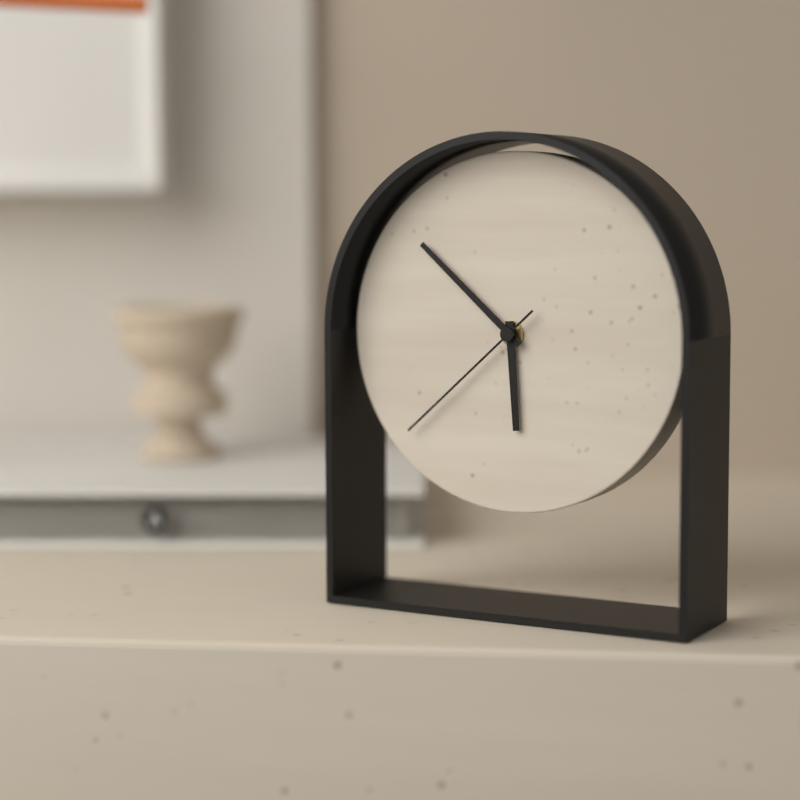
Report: 5 h 52 min 38 s
